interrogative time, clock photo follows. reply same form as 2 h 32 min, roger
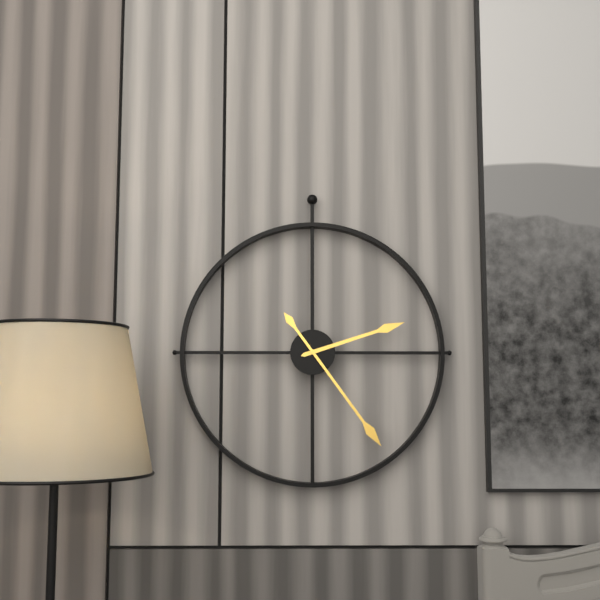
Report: 2 h 24 min
